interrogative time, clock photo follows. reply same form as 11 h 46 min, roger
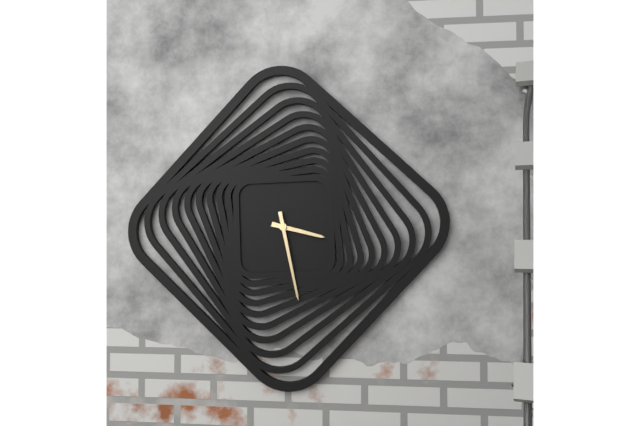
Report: 3 h 28 min
